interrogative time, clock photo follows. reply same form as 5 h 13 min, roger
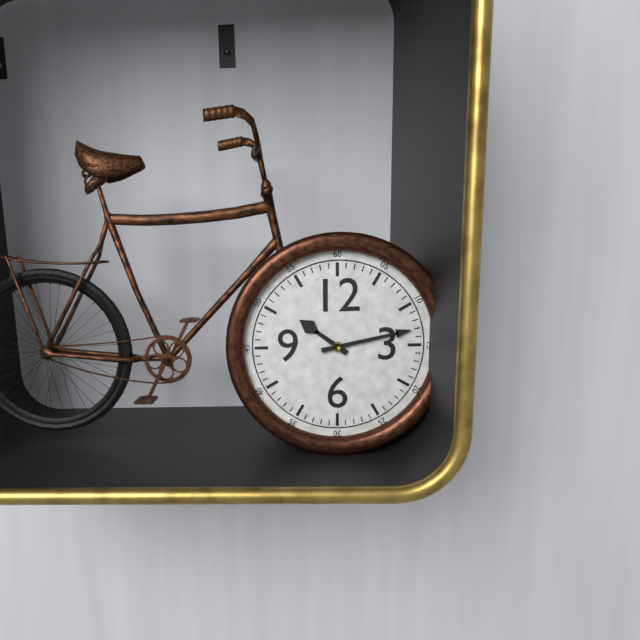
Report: 10 h 13 min
